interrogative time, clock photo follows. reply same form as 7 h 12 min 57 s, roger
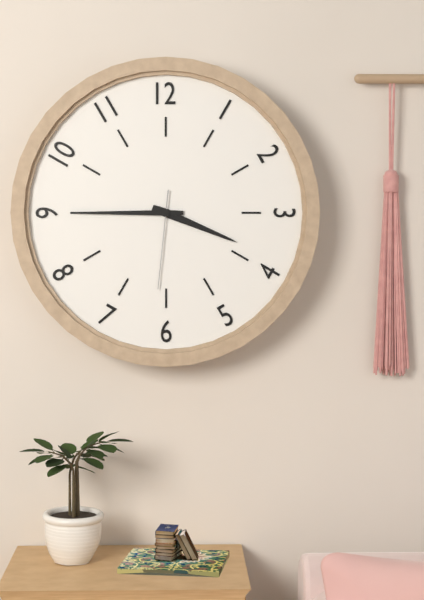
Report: 3 h 45 min 31 s
